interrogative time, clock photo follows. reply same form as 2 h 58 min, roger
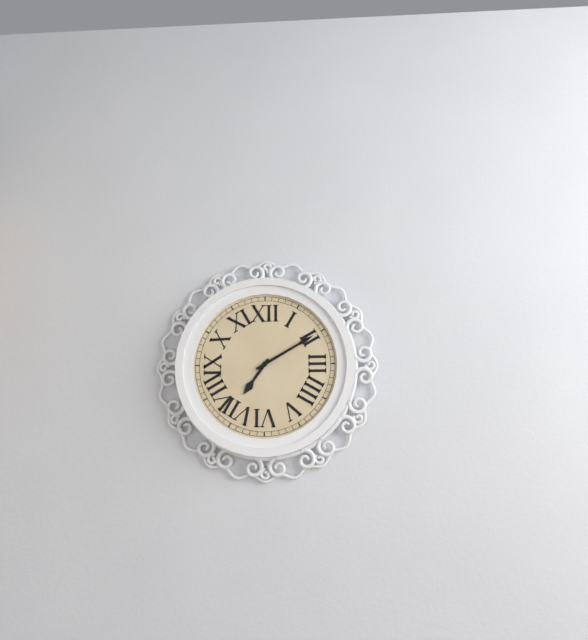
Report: 7 h 10 min
